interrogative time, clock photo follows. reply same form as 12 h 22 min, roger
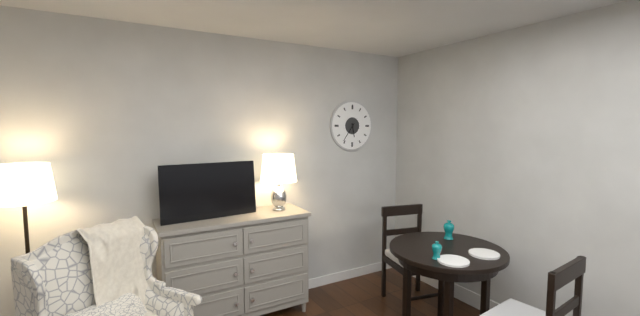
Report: 5 h 36 min
